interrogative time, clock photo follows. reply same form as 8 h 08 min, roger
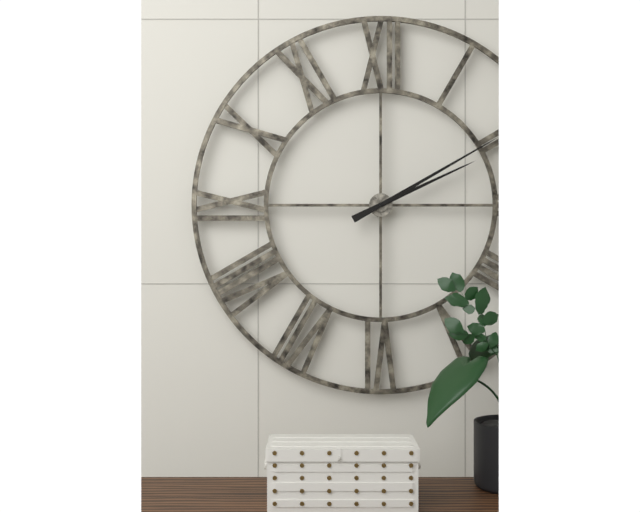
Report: 2 h 10 min
